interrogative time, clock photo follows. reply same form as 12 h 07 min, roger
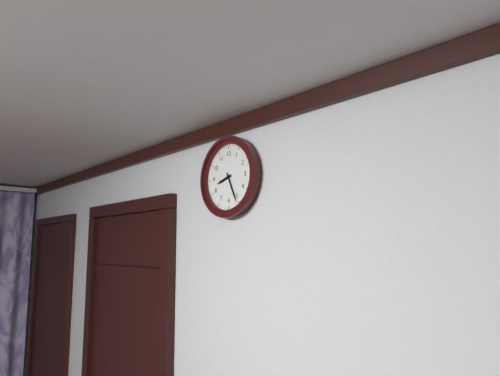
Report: 8 h 26 min
